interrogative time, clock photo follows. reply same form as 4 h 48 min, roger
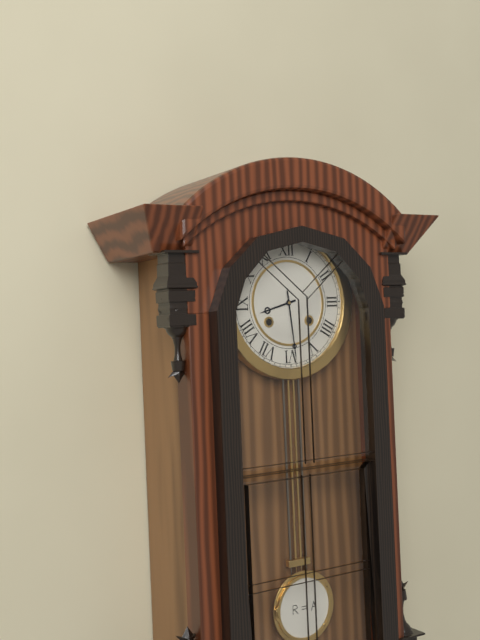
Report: 8 h 29 min
